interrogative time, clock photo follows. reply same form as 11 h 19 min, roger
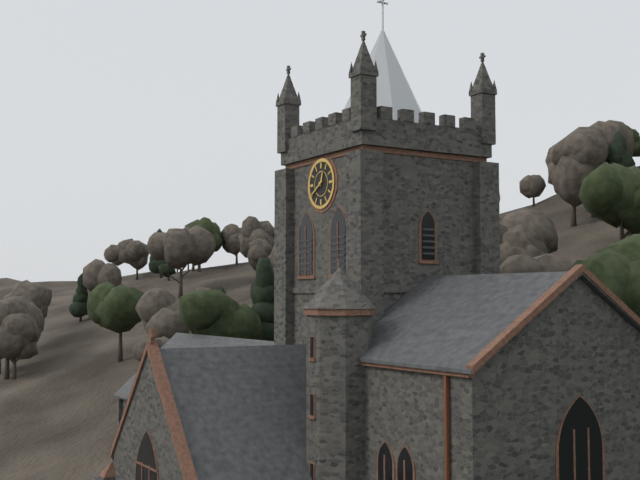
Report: 12 h 40 min
